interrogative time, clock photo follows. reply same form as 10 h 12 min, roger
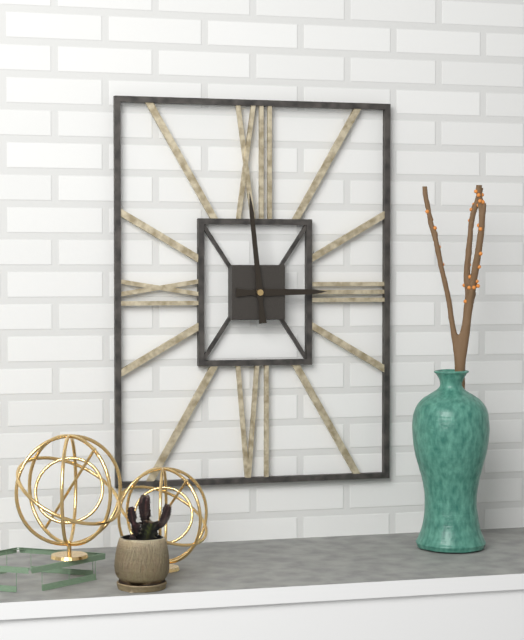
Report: 2 h 59 min
